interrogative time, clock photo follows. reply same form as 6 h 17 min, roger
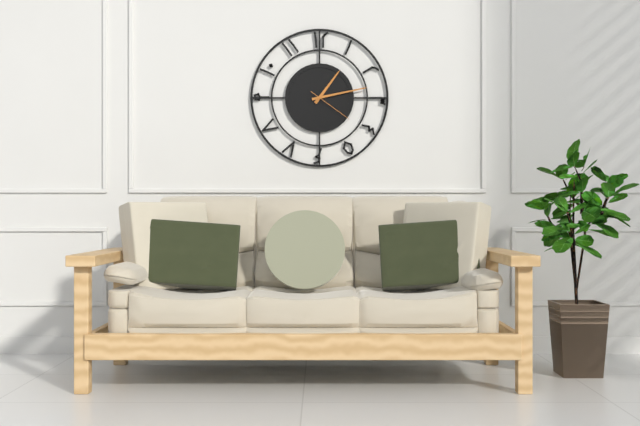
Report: 1 h 13 min
